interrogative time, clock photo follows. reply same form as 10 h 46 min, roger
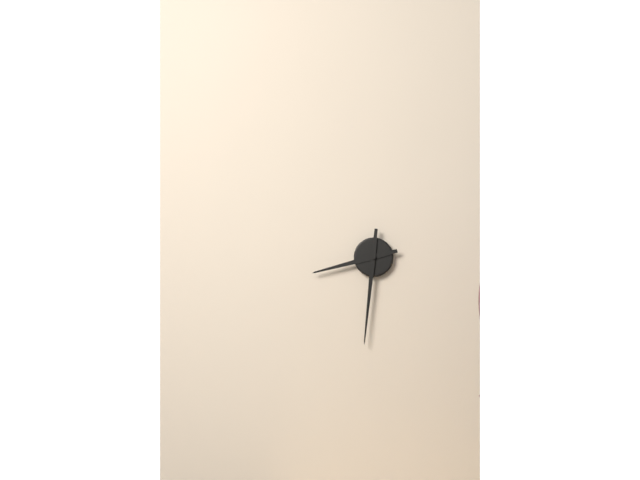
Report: 8 h 31 min
